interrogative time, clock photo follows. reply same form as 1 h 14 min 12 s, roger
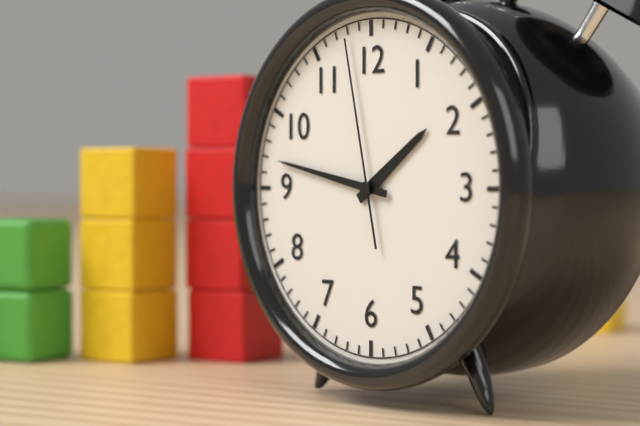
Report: 1 h 47 min 58 s
